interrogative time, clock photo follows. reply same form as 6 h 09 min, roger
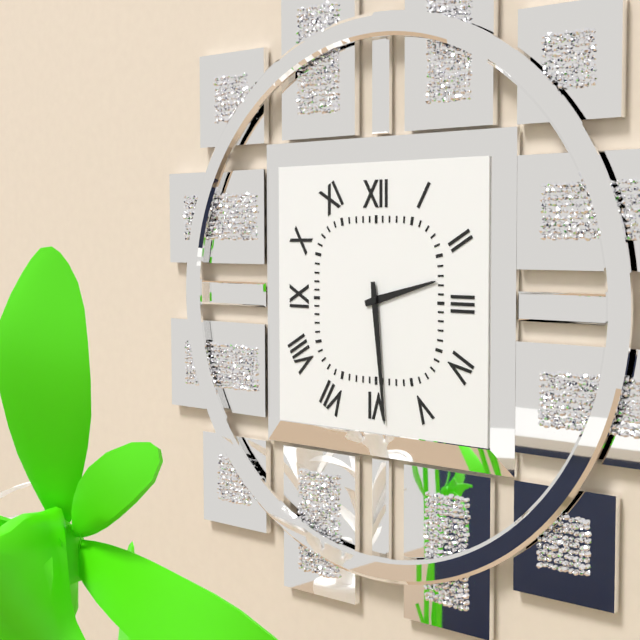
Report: 2 h 29 min
